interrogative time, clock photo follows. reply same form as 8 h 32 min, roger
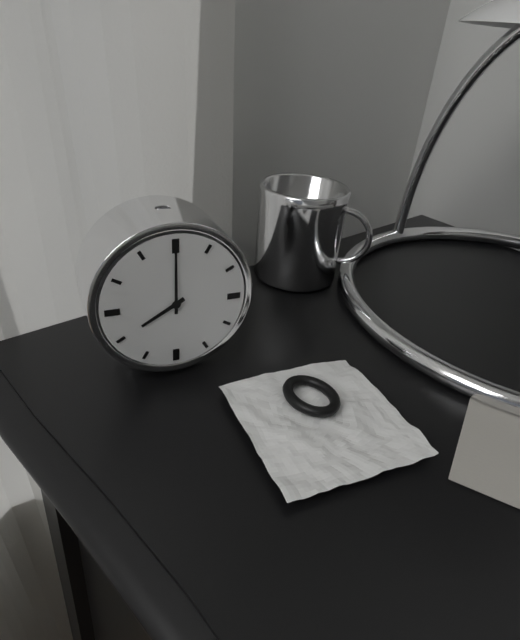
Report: 8 h 00 min
